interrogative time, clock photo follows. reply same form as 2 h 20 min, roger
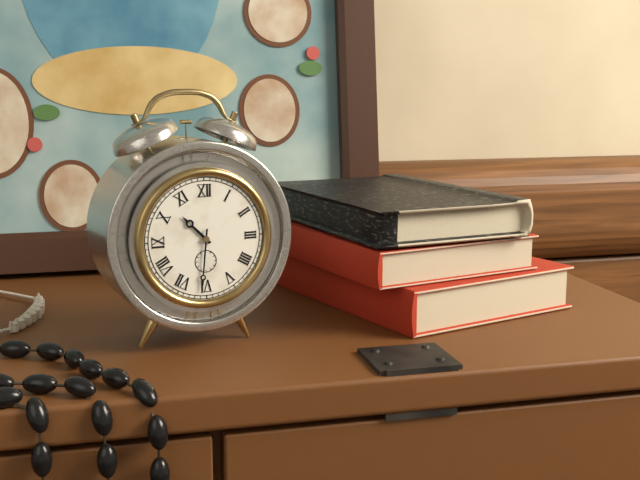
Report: 10 h 31 min
